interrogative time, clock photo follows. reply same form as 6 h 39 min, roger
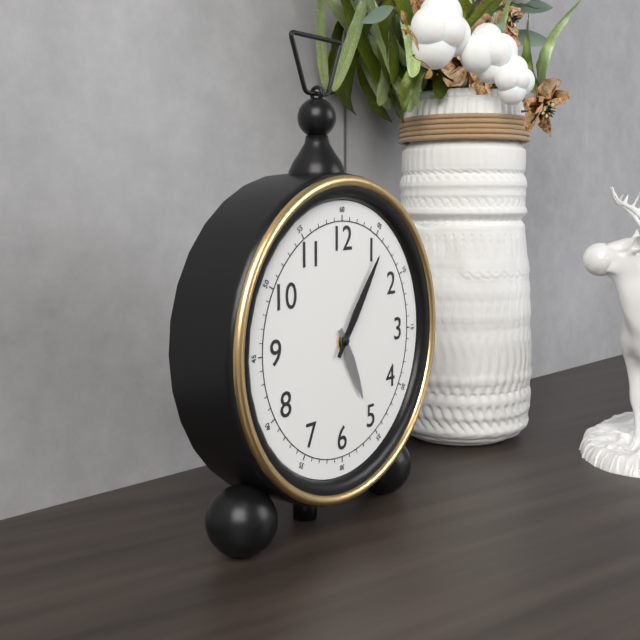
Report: 5 h 06 min
